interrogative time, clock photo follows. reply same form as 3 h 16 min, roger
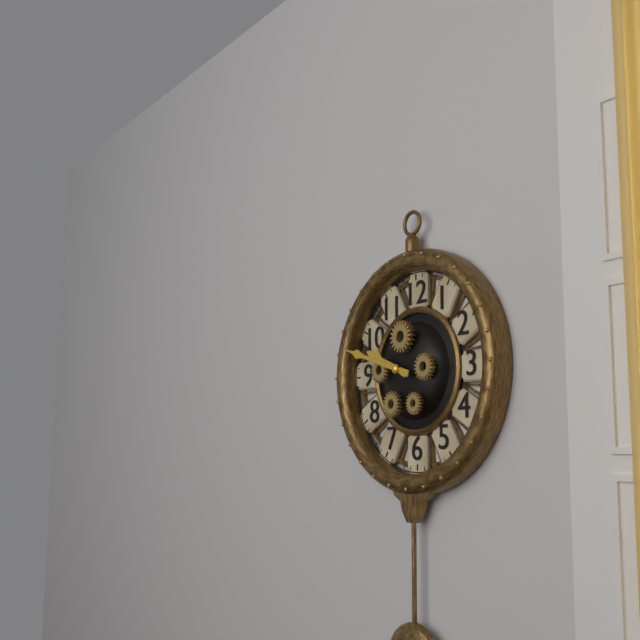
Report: 9 h 48 min
